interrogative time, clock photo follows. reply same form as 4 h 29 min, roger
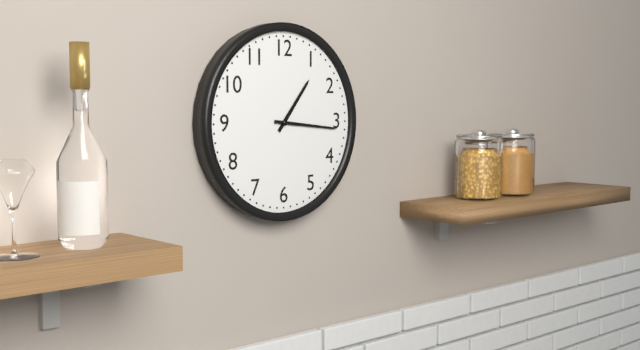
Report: 1 h 16 min
